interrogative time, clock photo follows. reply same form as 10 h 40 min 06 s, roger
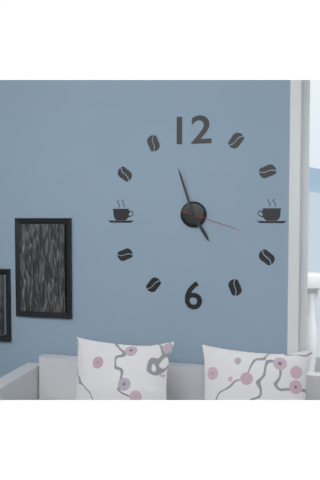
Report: 4 h 57 min 18 s
